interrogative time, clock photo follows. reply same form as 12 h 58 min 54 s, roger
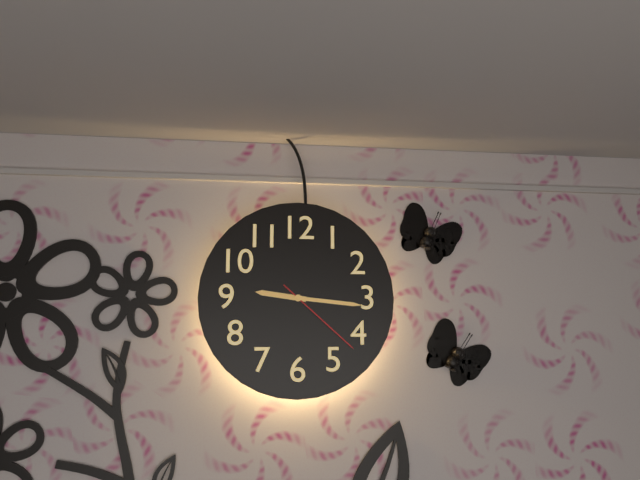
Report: 9 h 16 min 22 s
